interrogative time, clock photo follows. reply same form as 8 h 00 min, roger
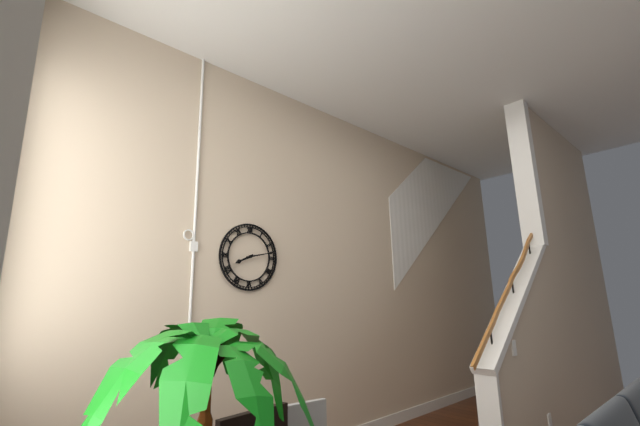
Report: 8 h 13 min
